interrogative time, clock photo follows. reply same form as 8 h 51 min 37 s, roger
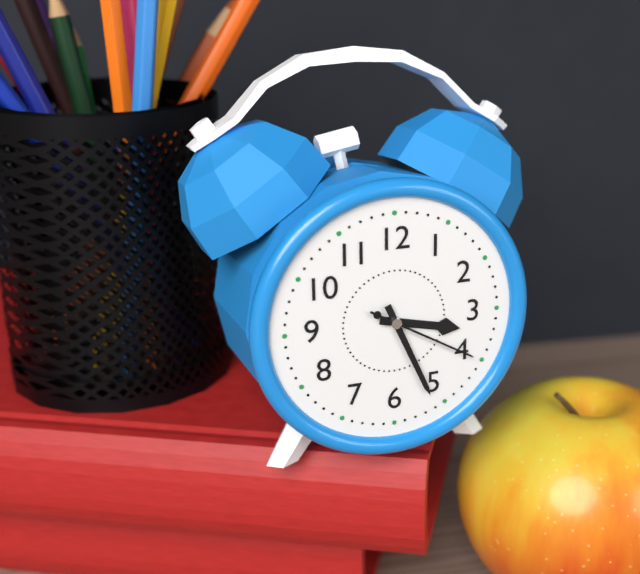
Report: 3 h 26 min 20 s
